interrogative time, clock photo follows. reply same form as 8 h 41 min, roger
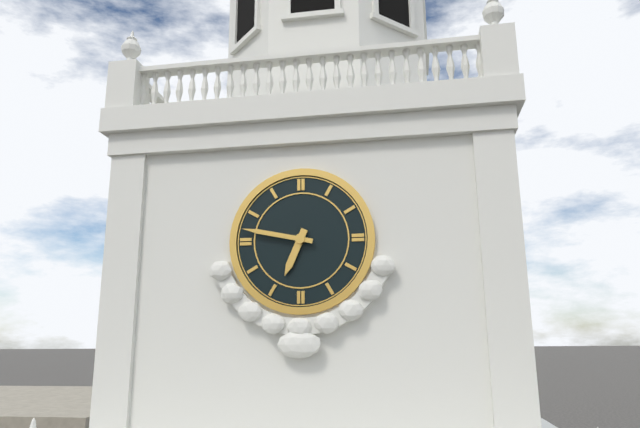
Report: 6 h 47 min
